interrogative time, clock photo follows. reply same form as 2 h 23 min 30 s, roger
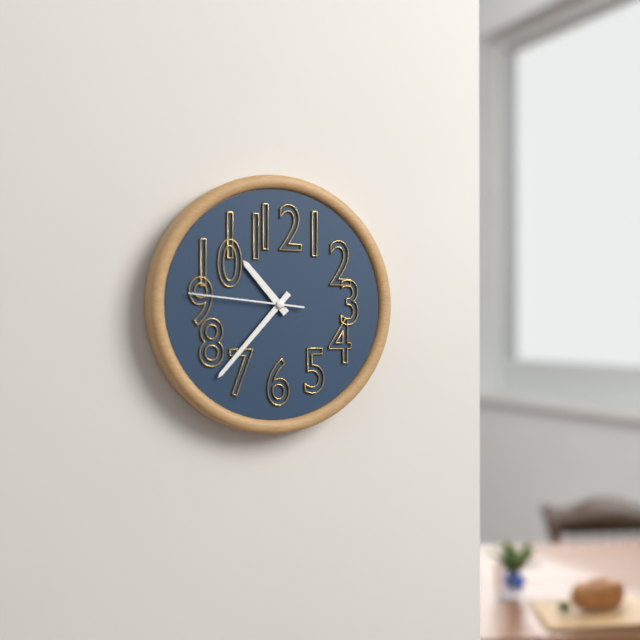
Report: 10 h 37 min 46 s
